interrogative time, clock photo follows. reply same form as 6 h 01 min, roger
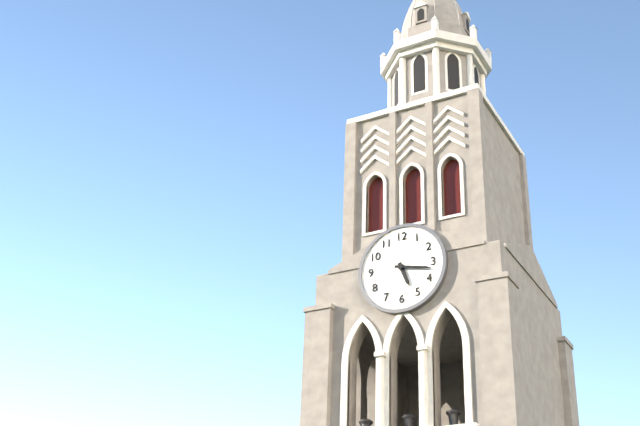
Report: 5 h 17 min
